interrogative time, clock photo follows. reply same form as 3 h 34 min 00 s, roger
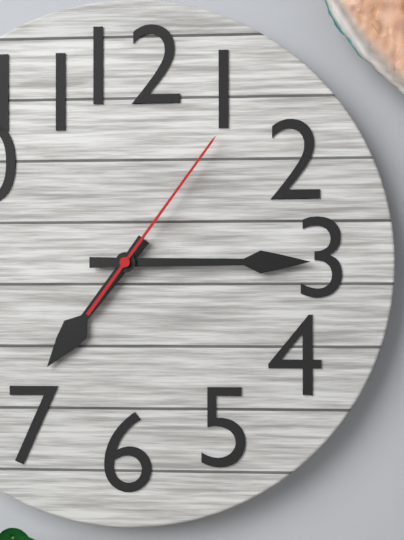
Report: 7 h 15 min 06 s
